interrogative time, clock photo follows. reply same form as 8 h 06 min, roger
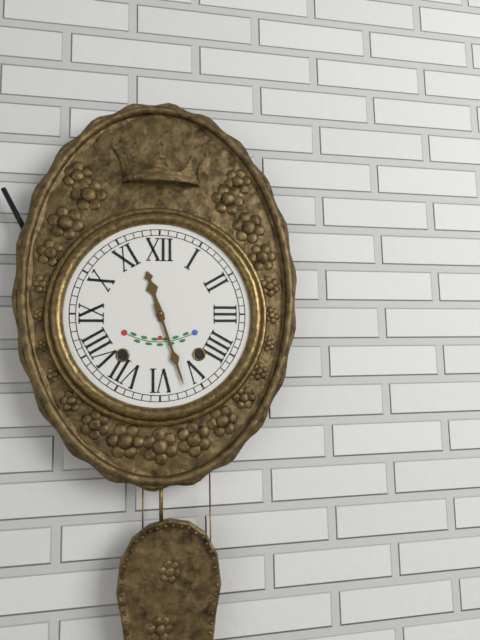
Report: 11 h 27 min
